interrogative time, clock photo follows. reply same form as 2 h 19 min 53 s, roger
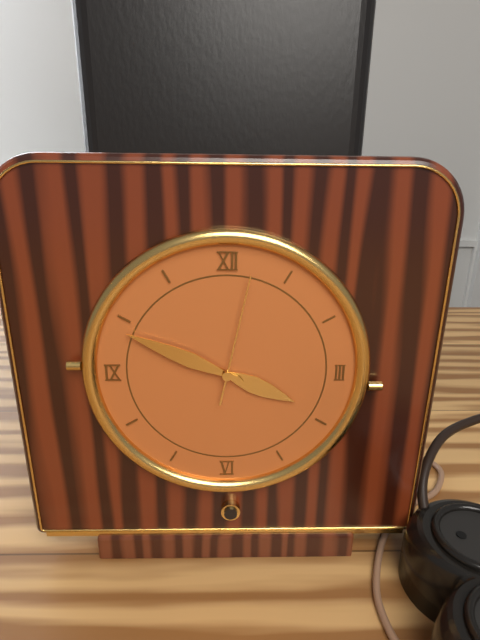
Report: 3 h 49 min 02 s
